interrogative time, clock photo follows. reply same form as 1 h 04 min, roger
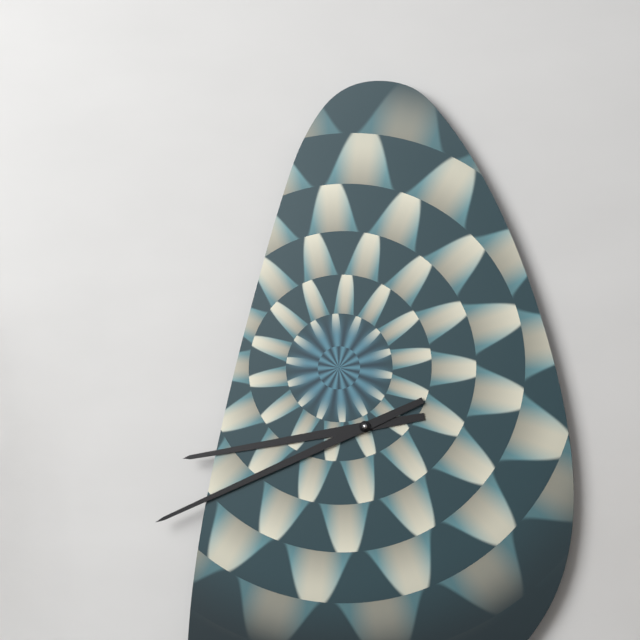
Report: 8 h 41 min
